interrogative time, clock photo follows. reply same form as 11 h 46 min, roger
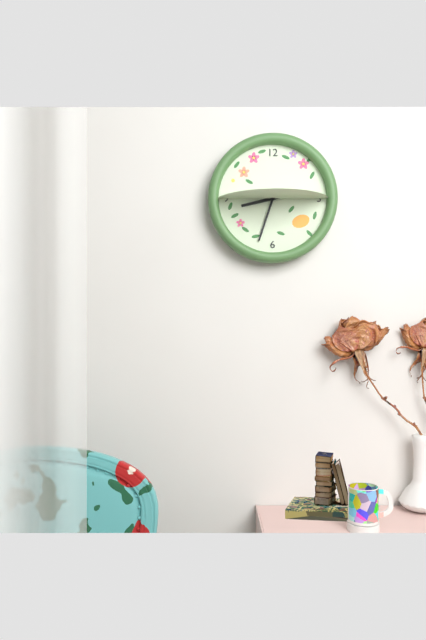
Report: 8 h 33 min
